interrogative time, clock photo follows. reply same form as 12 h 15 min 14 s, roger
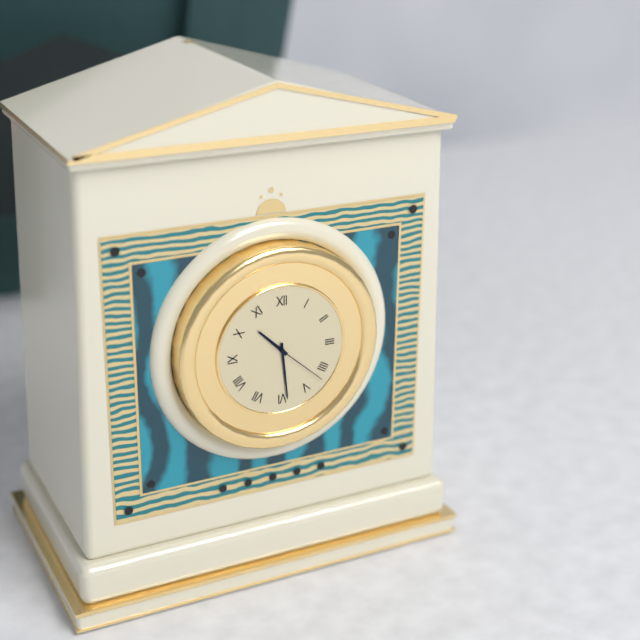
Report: 10 h 29 min 22 s
